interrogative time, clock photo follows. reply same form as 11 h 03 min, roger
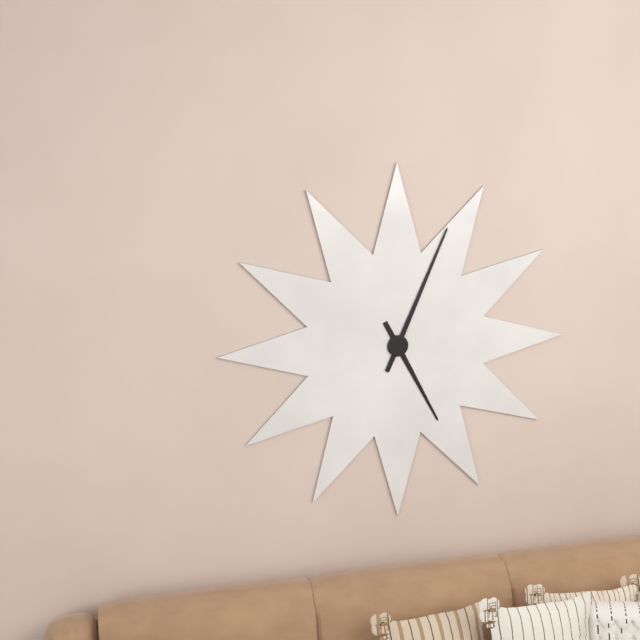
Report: 5 h 04 min
